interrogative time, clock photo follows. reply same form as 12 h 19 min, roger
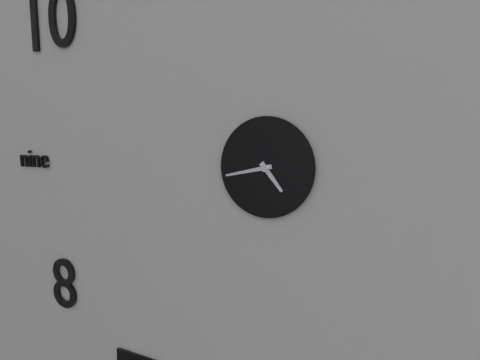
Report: 4 h 43 min
